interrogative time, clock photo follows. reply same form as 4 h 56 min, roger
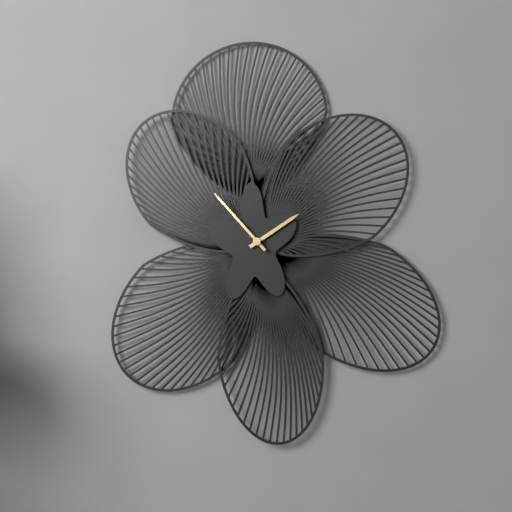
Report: 1 h 53 min
